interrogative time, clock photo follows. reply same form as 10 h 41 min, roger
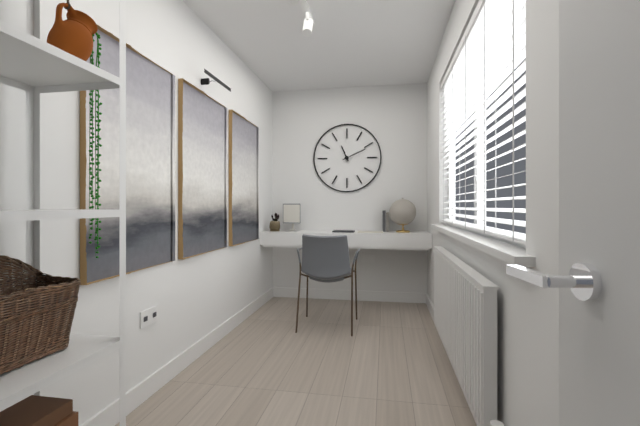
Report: 11 h 11 min
